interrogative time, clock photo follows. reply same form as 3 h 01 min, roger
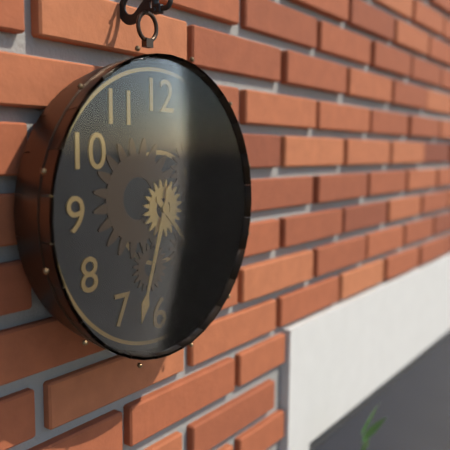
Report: 4 h 33 min
